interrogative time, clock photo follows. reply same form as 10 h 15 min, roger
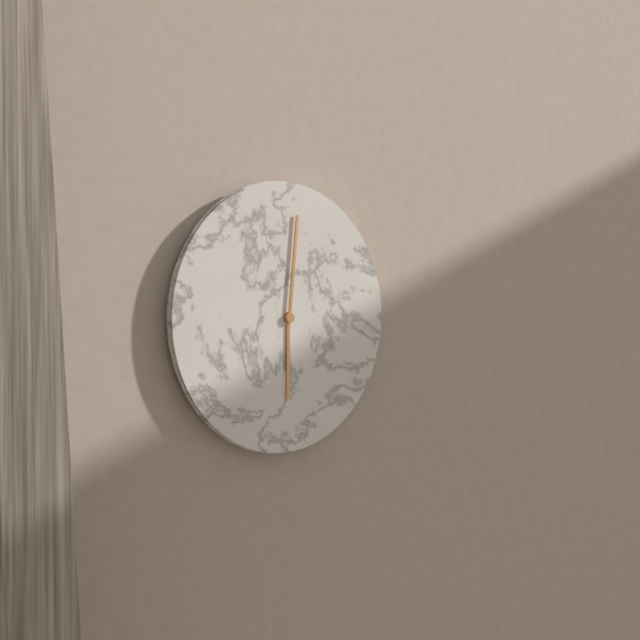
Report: 6 h 01 min
